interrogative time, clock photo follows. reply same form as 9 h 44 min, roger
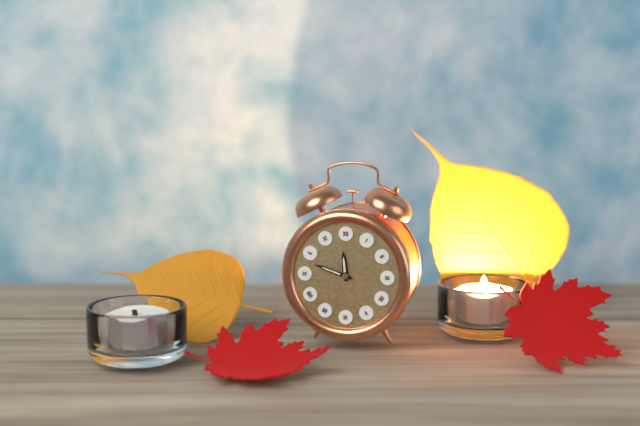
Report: 11 h 48 min
